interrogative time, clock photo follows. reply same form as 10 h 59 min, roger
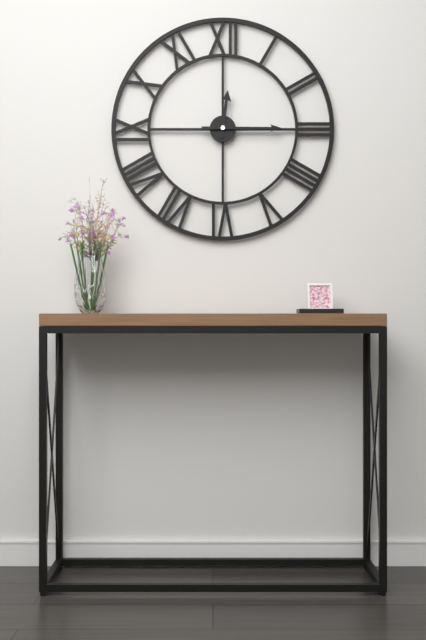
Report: 12 h 15 min
